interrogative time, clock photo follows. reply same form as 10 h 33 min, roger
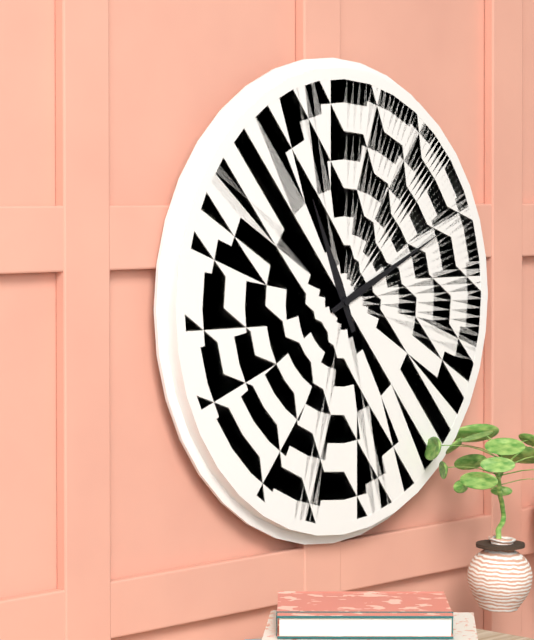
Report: 11 h 11 min
